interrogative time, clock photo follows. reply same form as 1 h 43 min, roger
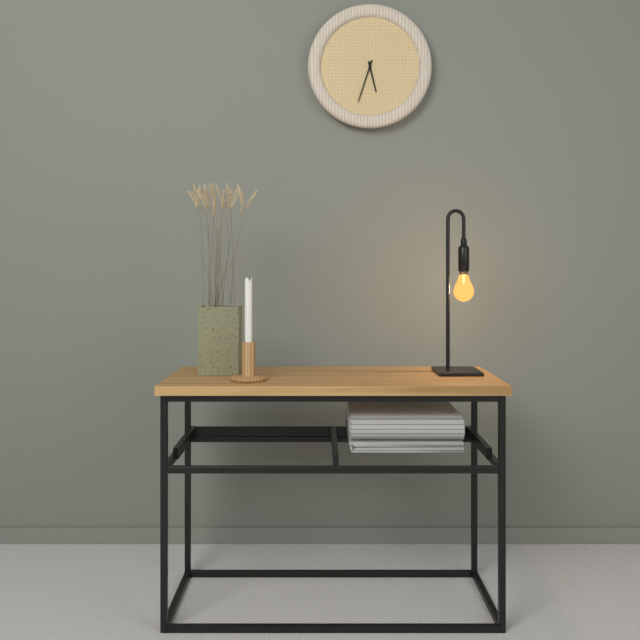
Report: 5 h 33 min
